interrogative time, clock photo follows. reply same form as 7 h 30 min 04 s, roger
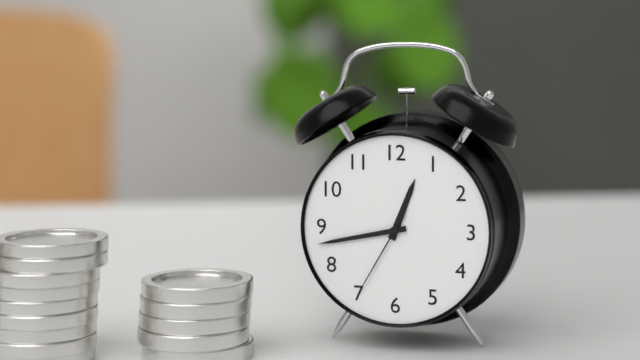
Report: 12 h 43 min 35 s
